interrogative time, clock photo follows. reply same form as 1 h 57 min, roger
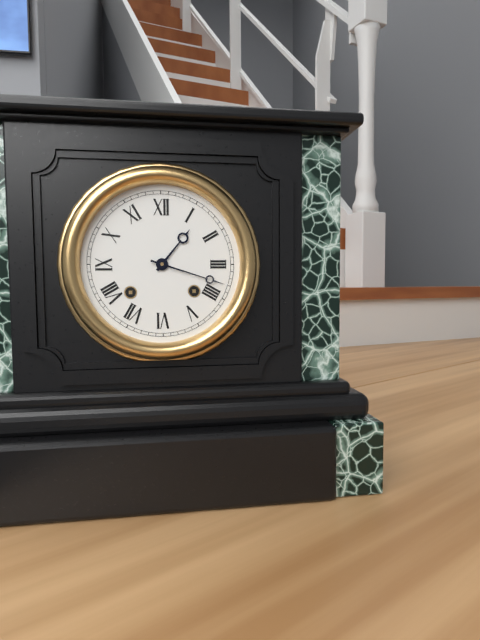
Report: 1 h 18 min
